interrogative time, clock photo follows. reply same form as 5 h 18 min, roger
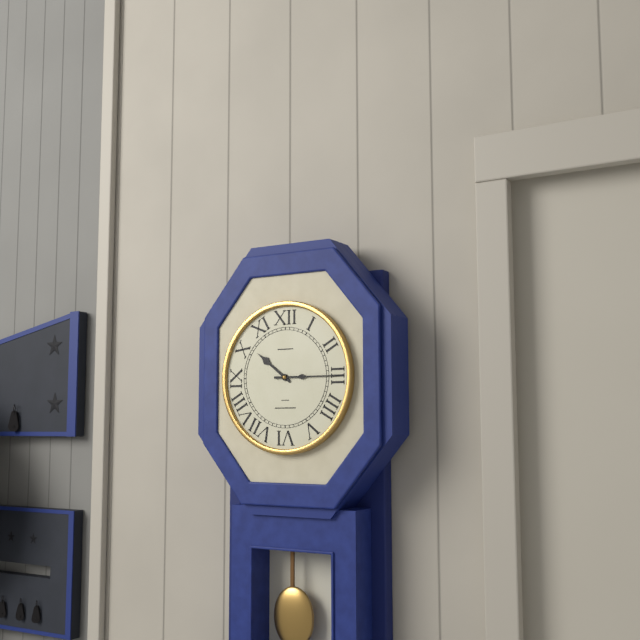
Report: 10 h 15 min
